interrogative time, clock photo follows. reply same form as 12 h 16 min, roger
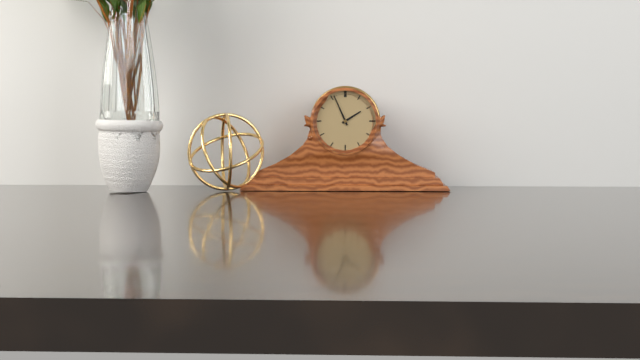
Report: 1 h 56 min
